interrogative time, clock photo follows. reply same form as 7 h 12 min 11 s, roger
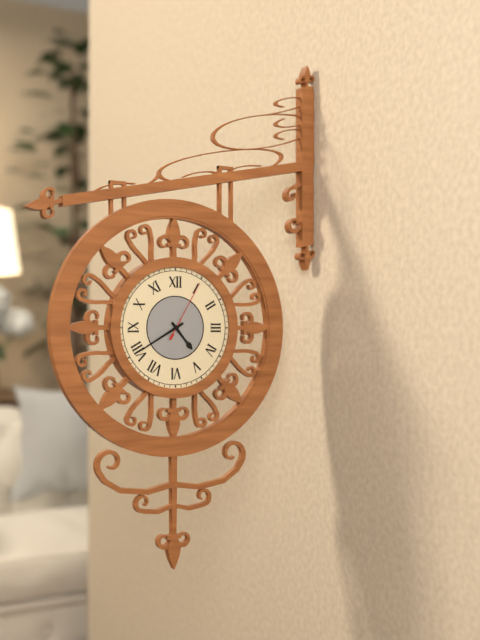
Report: 4 h 40 min 05 s
